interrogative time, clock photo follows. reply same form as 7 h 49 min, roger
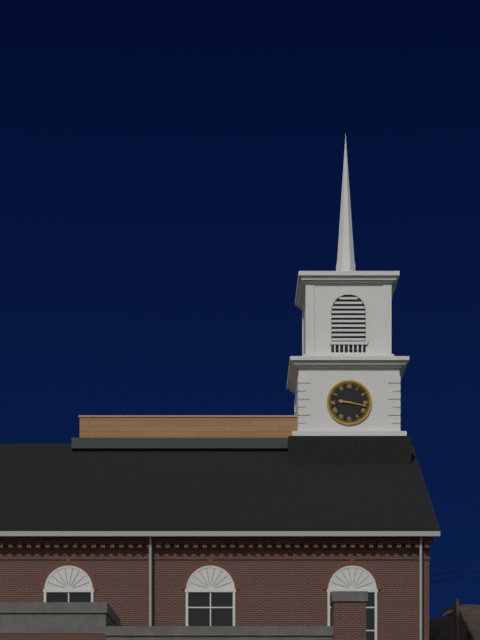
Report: 9 h 17 min
